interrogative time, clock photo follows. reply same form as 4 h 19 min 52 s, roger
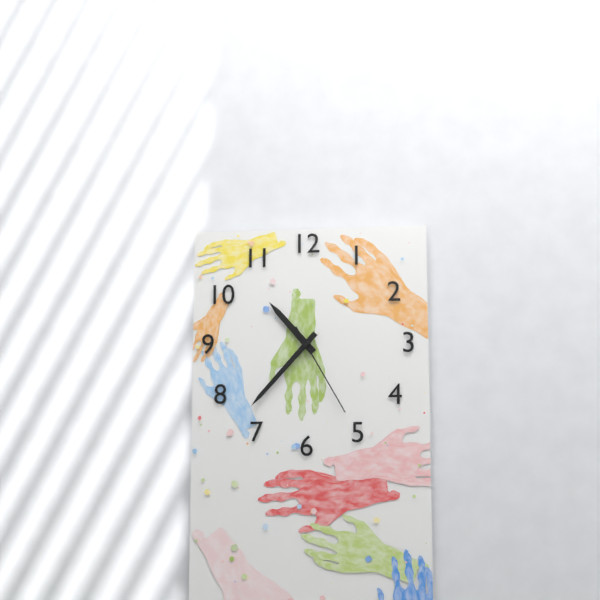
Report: 10 h 37 min 25 s
